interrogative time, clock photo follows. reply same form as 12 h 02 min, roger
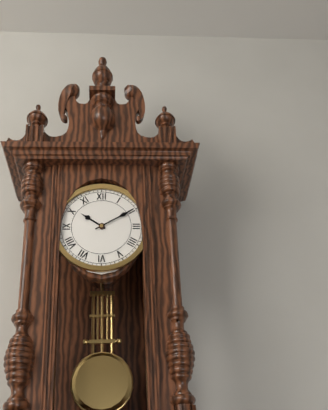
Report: 10 h 10 min
